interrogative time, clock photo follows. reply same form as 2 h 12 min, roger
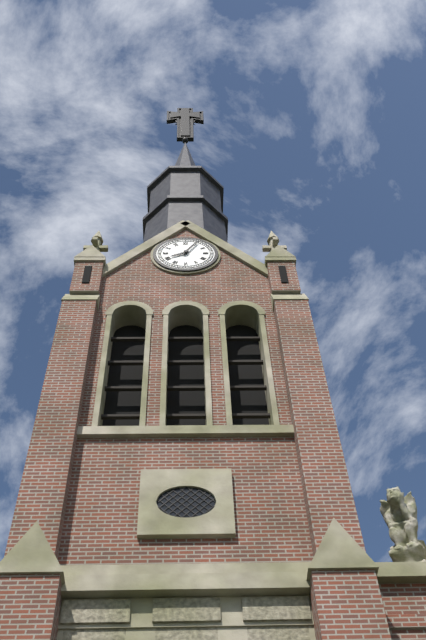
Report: 8 h 05 min
